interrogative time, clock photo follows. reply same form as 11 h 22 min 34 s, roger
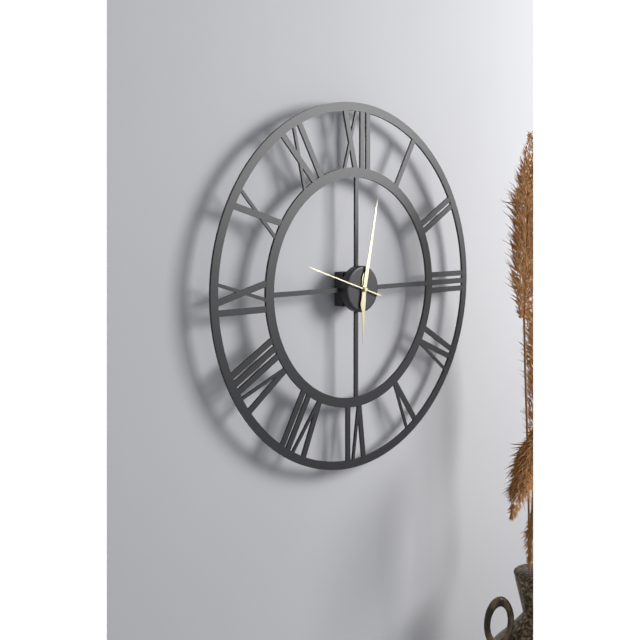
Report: 6 h 02 min 48 s
